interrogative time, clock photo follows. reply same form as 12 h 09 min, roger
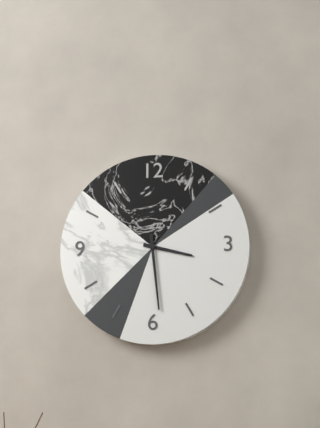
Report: 3 h 29 min
